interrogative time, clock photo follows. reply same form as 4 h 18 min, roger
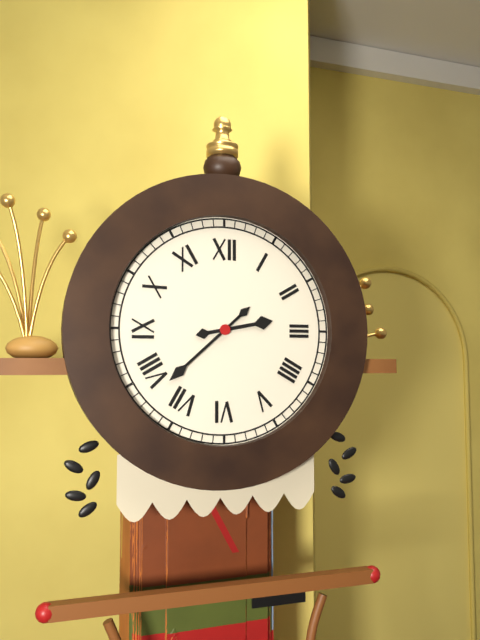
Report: 2 h 38 min
